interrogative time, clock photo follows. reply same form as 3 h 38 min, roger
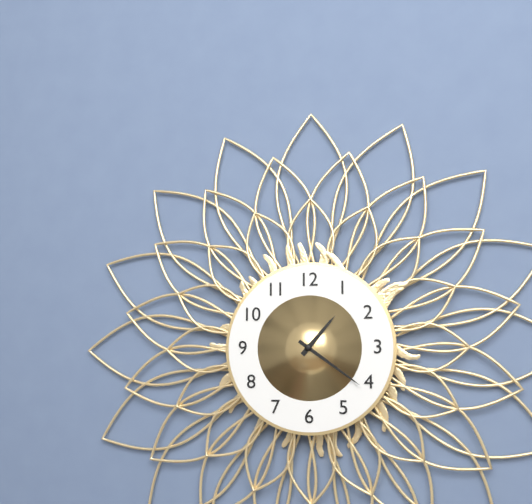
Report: 1 h 21 min
